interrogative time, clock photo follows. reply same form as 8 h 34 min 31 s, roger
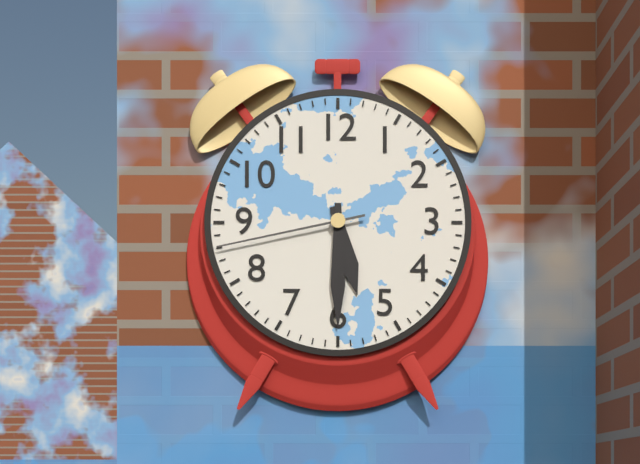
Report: 5 h 30 min 43 s
